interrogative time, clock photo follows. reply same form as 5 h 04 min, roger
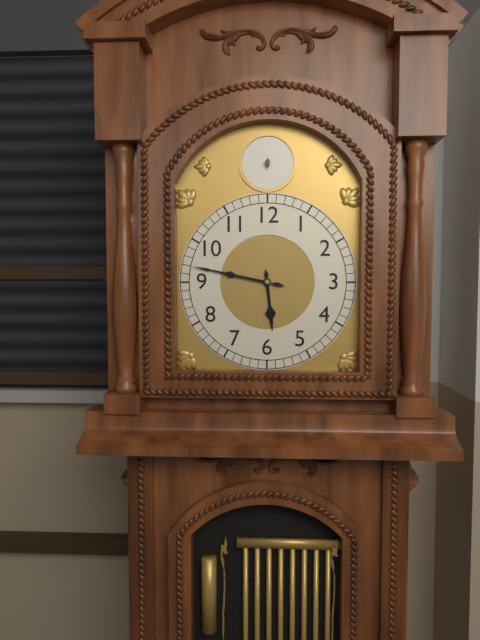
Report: 5 h 47 min
